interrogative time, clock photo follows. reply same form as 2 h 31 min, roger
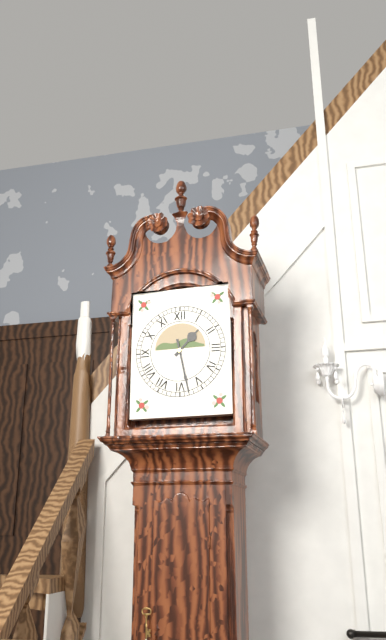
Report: 1 h 28 min
